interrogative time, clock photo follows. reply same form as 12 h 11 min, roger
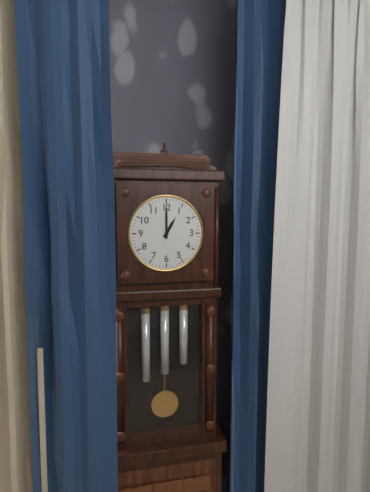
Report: 1 h 00 min
